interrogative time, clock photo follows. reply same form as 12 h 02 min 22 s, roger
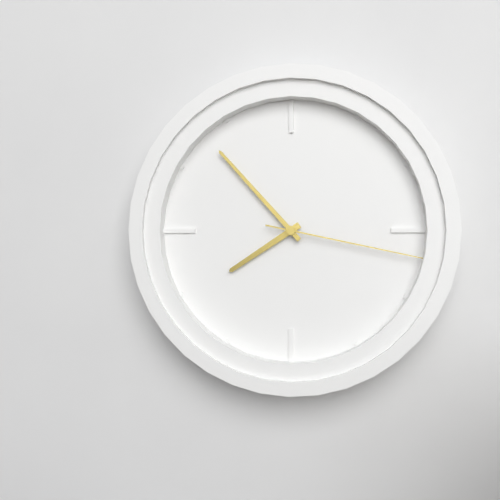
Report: 7 h 53 min 17 s
